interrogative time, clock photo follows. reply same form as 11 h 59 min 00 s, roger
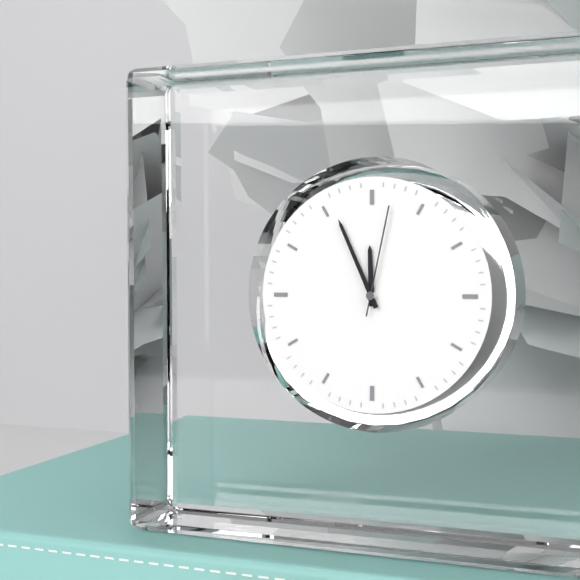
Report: 11 h 56 min 02 s
